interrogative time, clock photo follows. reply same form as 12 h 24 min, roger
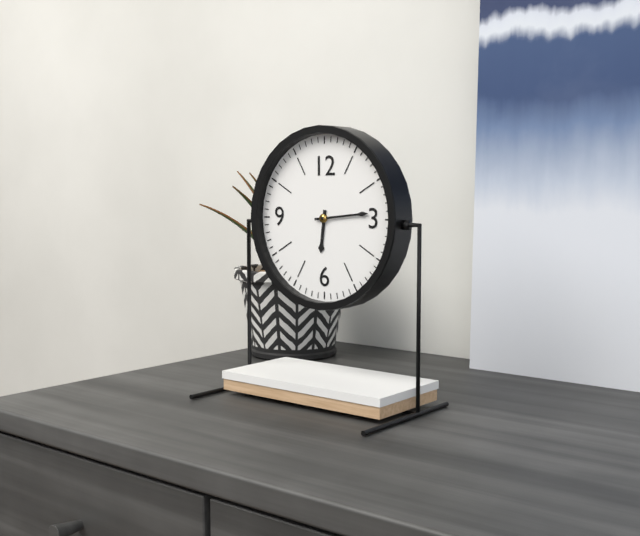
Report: 6 h 14 min
